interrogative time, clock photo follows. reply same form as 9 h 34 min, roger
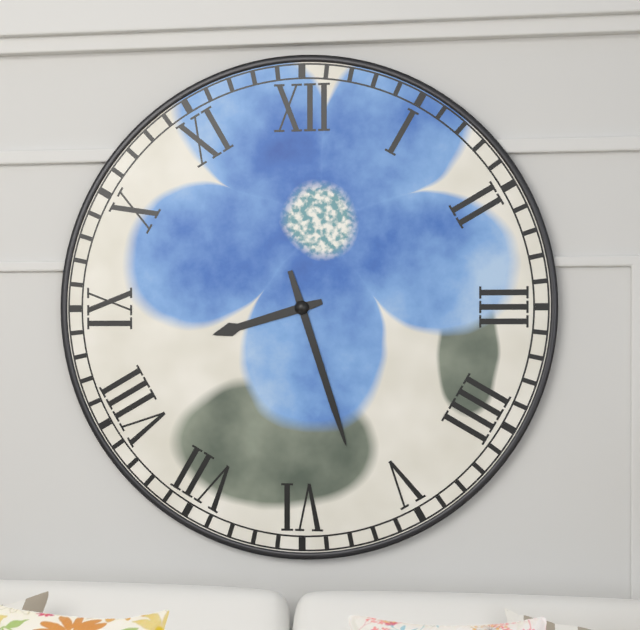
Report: 8 h 27 min
